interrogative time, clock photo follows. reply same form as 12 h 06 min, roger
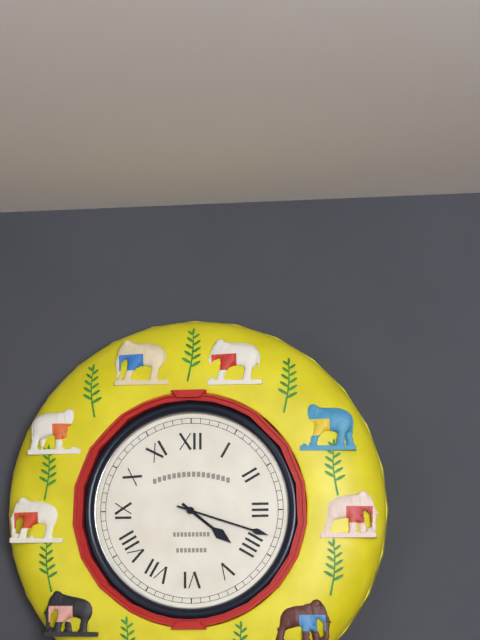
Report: 4 h 18 min
